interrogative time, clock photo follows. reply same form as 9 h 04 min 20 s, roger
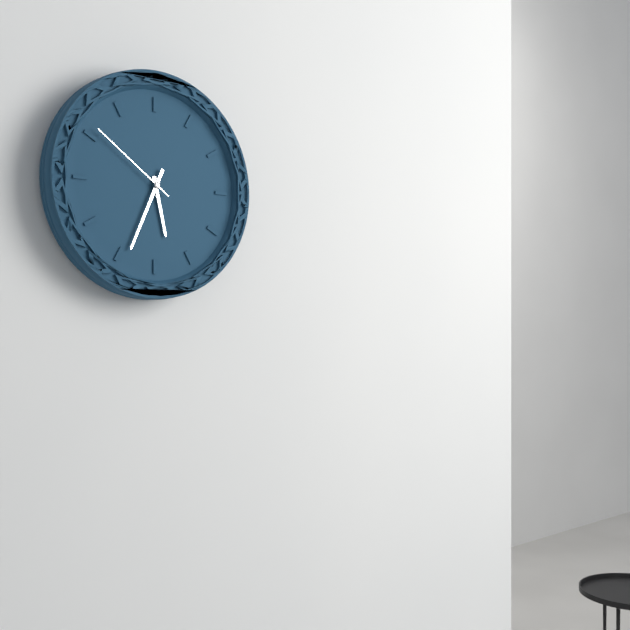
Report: 5 h 34 min 51 s
